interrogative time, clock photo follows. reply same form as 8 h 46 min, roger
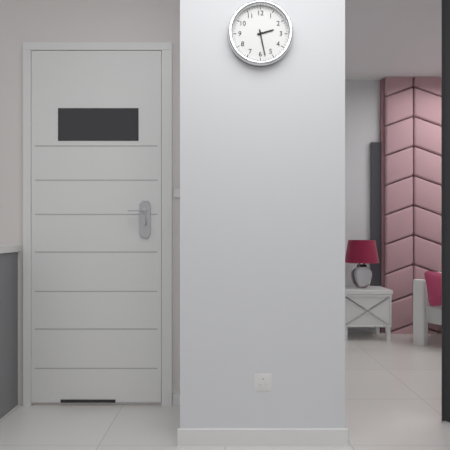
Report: 2 h 28 min
